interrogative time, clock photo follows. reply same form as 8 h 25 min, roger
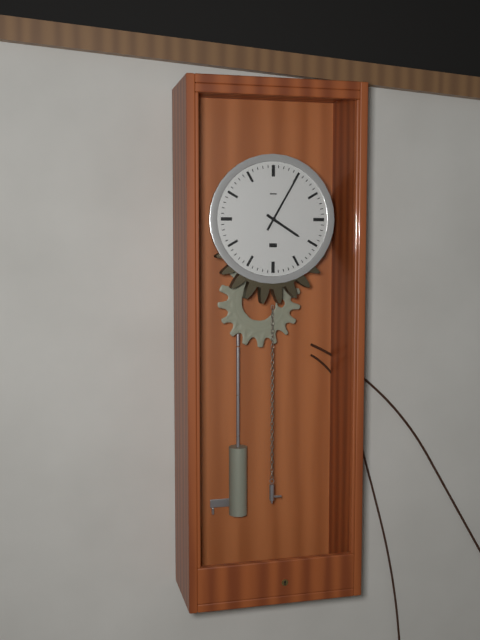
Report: 4 h 05 min
